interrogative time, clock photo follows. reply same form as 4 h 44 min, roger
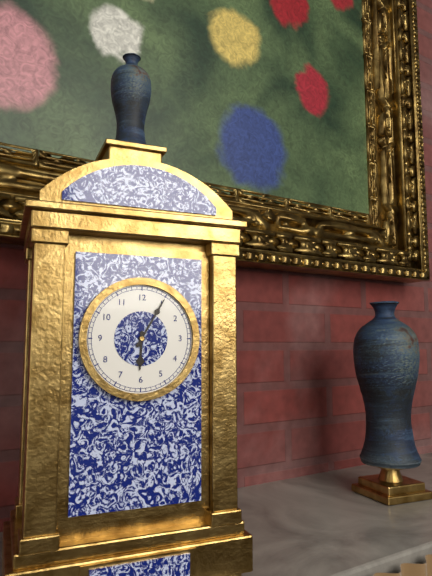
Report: 6 h 05 min
